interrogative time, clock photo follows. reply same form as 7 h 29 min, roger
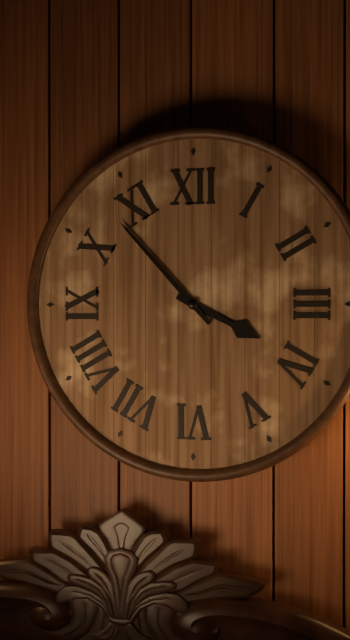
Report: 3 h 53 min
